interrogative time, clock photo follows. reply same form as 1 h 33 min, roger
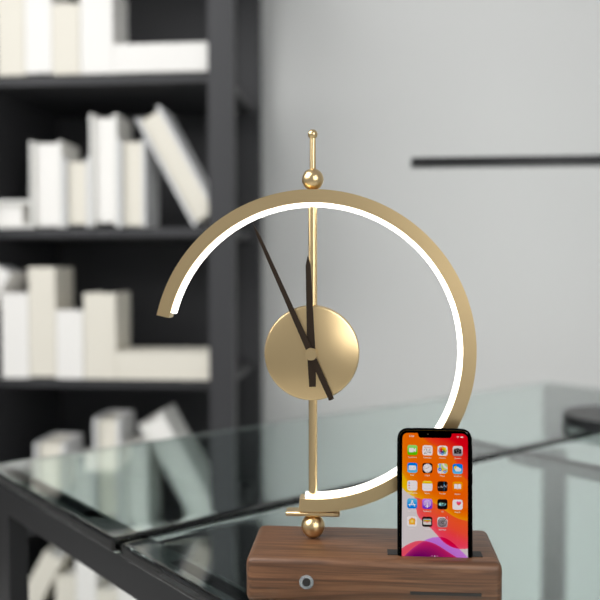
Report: 11 h 56 min
